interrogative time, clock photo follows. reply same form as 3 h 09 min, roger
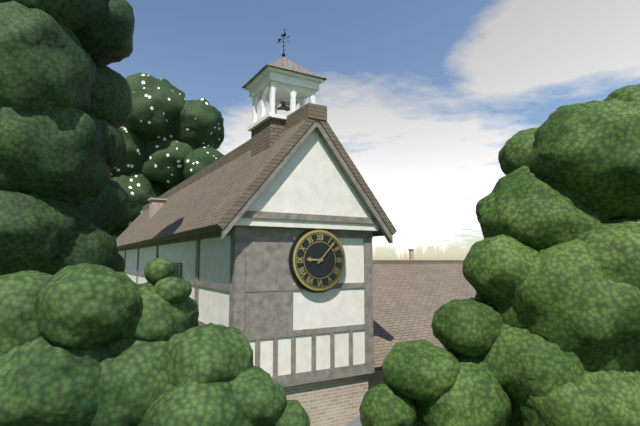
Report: 9 h 07 min
